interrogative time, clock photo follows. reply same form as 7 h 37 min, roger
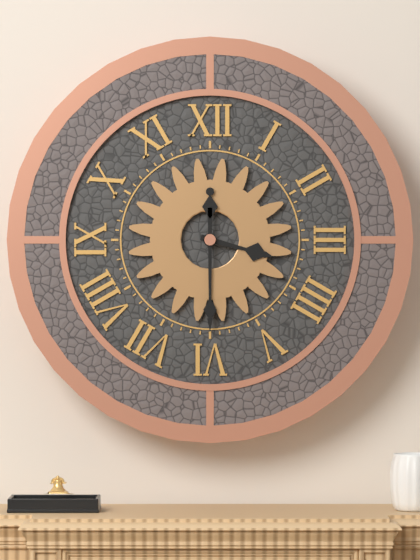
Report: 3 h 30 min
